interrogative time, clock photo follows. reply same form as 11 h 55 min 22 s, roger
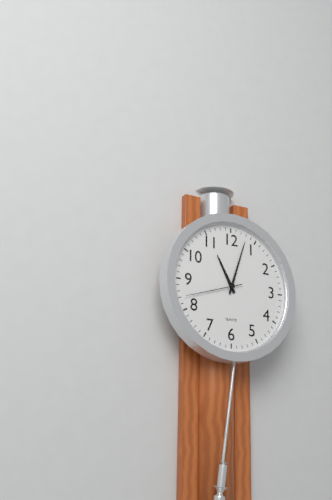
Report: 11 h 03 min 42 s
